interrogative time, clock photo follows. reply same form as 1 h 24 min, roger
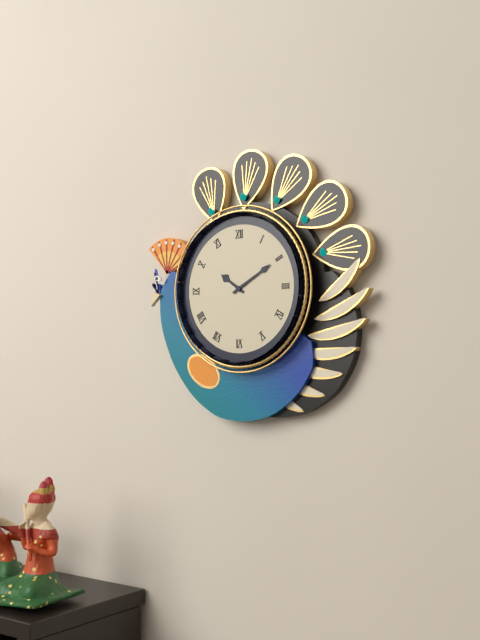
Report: 10 h 10 min
